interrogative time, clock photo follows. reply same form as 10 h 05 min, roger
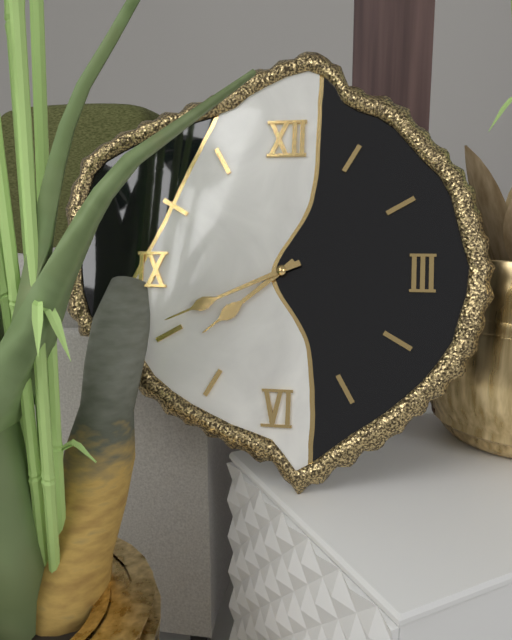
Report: 7 h 41 min
